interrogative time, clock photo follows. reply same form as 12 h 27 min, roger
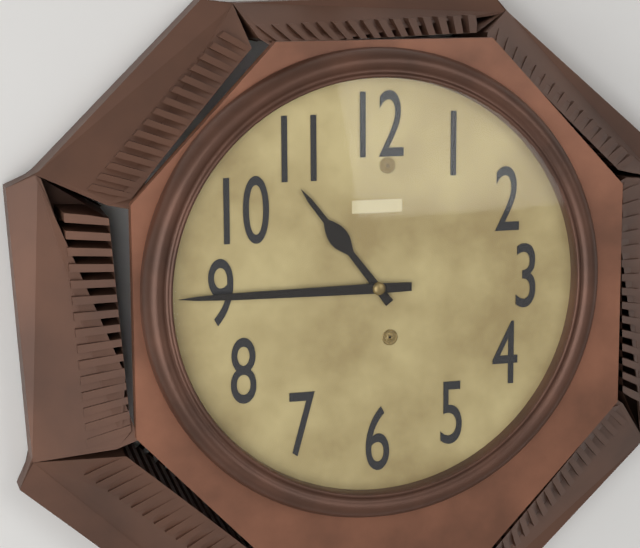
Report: 10 h 45 min
